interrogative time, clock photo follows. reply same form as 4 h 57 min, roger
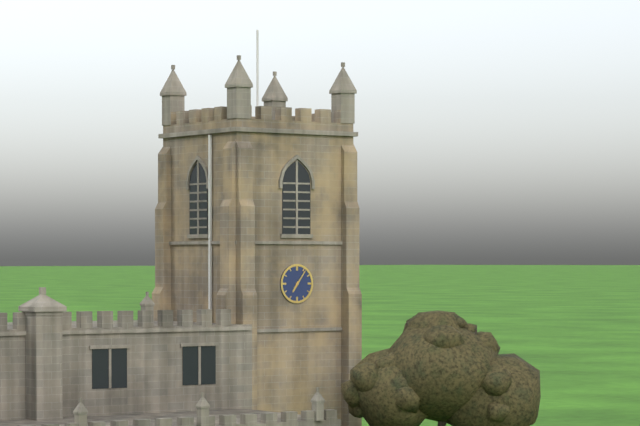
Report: 7 h 06 min
